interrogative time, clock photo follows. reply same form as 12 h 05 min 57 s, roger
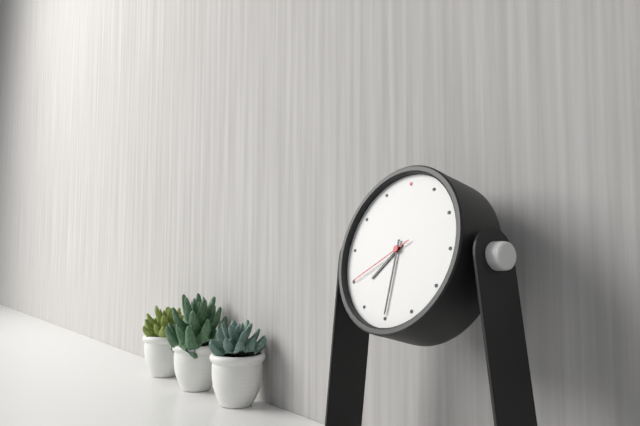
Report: 7 h 30 min 40 s
